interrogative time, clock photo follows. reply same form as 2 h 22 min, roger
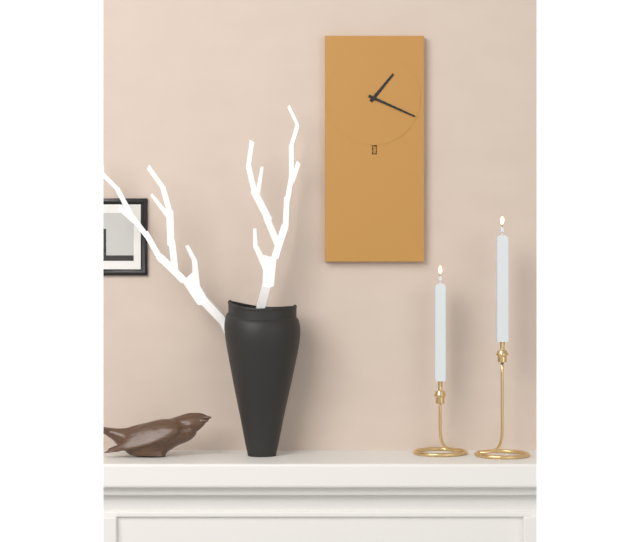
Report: 1 h 19 min
